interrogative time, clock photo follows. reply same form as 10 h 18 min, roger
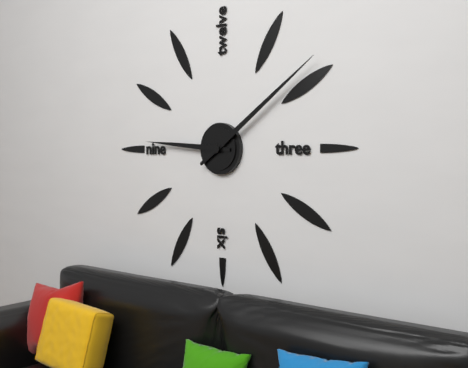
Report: 9 h 09 min
